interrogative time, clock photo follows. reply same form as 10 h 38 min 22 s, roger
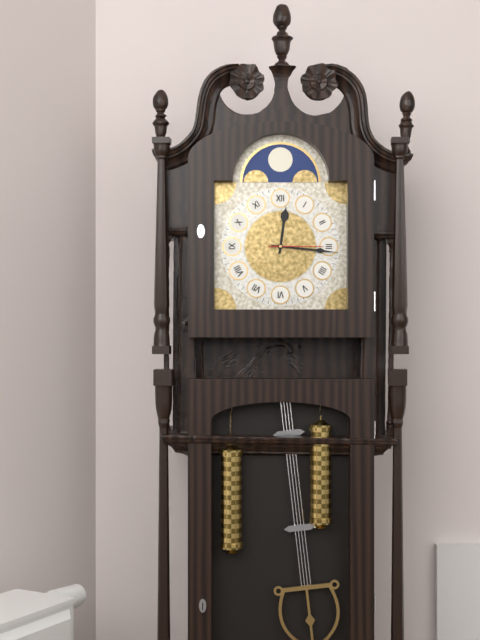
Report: 12 h 16 min 15 s
